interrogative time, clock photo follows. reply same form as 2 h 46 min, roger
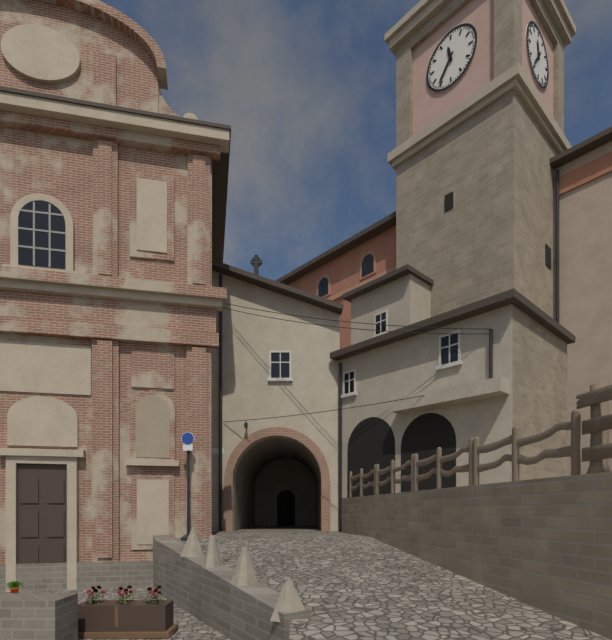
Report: 11 h 36 min
